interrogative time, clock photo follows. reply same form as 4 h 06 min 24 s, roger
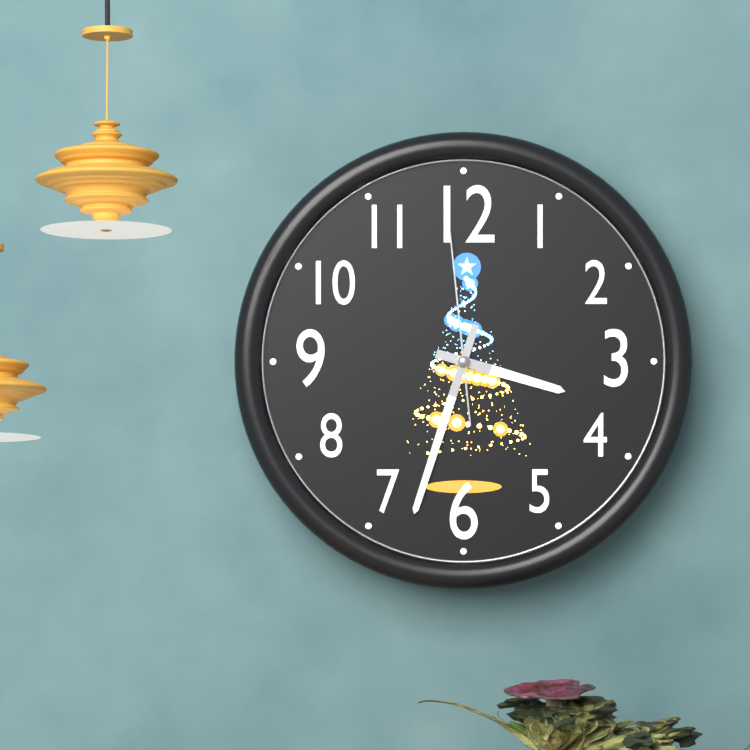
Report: 3 h 33 min 59 s
